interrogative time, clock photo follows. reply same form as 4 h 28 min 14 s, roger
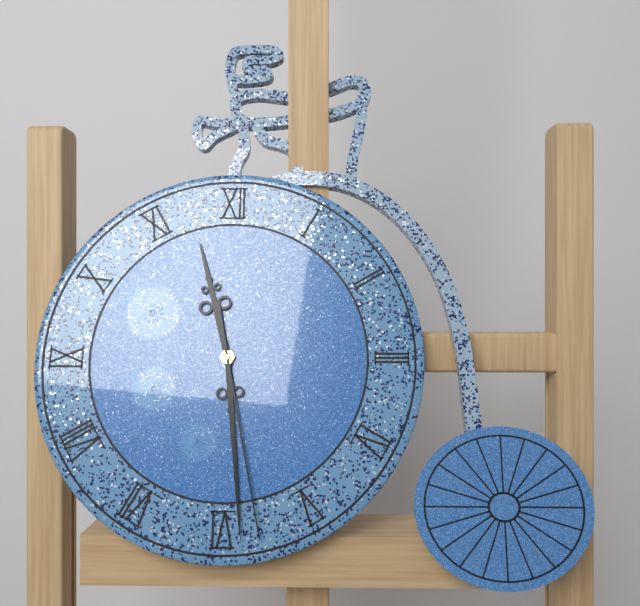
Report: 11 h 29 min 28 s
